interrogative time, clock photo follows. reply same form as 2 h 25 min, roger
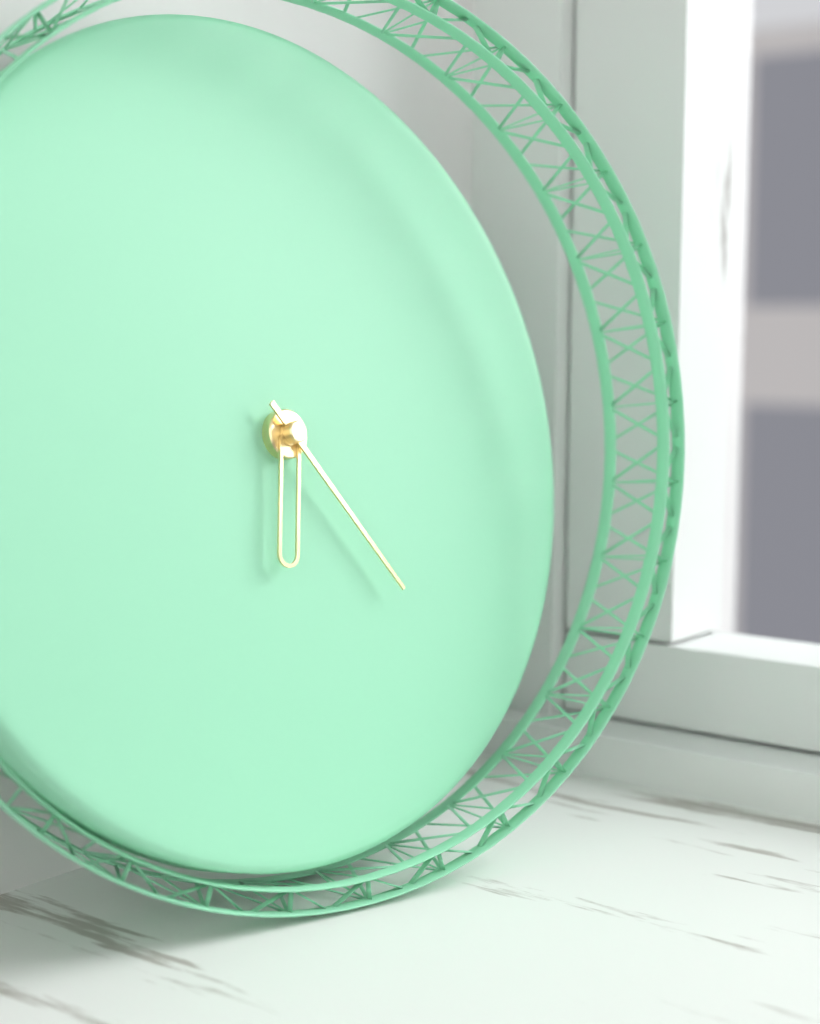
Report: 6 h 24 min
